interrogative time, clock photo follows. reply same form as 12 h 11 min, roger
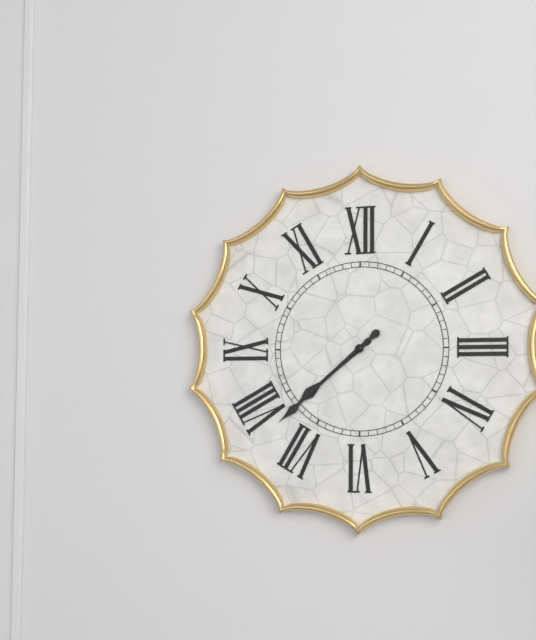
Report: 7 h 38 min
